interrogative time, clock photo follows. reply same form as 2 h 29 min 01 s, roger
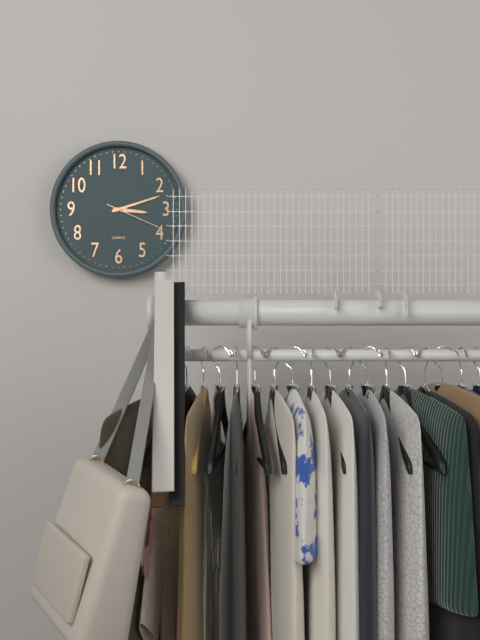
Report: 3 h 12 min 19 s
